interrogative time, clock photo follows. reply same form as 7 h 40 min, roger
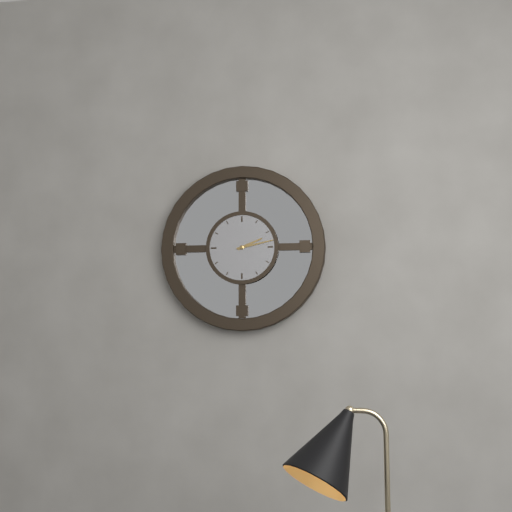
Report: 2 h 13 min
